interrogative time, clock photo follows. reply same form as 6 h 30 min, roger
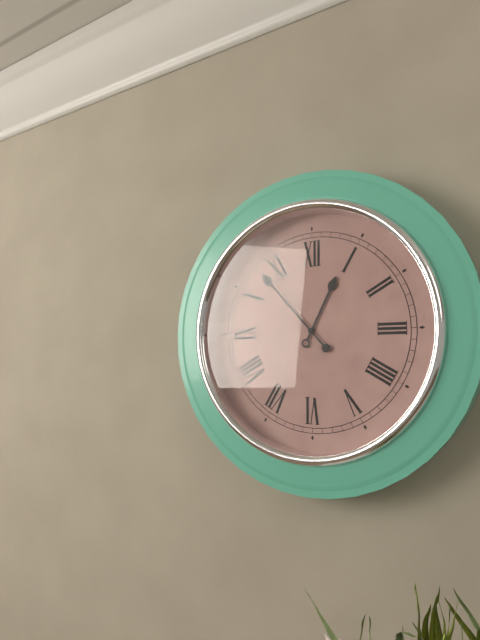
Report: 12 h 53 min
